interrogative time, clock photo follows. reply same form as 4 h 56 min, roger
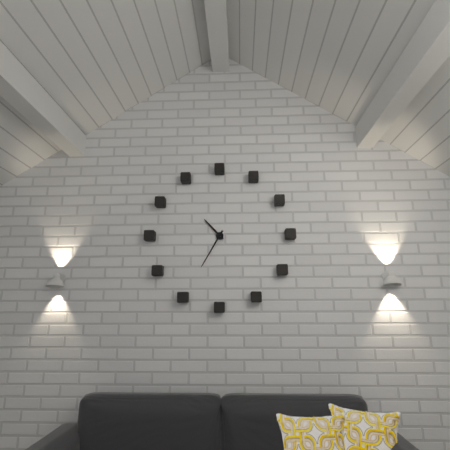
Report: 10 h 35 min
